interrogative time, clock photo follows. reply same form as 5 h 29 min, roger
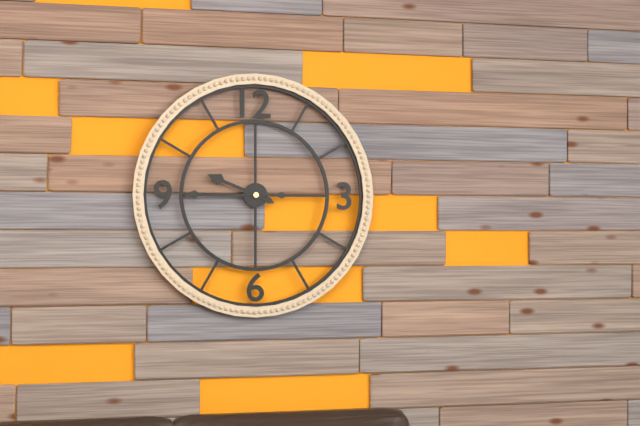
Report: 9 h 45 min
